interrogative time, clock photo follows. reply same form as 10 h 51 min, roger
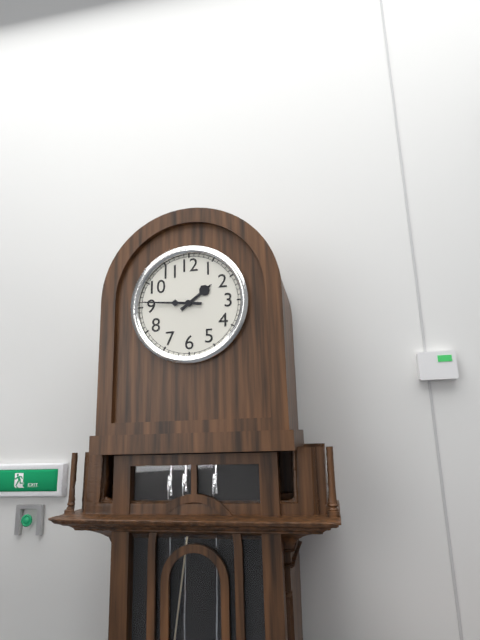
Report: 1 h 46 min
